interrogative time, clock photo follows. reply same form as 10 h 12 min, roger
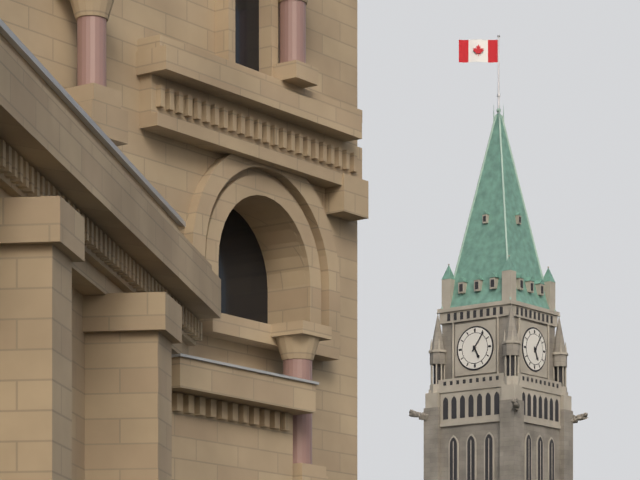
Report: 5 h 06 min
